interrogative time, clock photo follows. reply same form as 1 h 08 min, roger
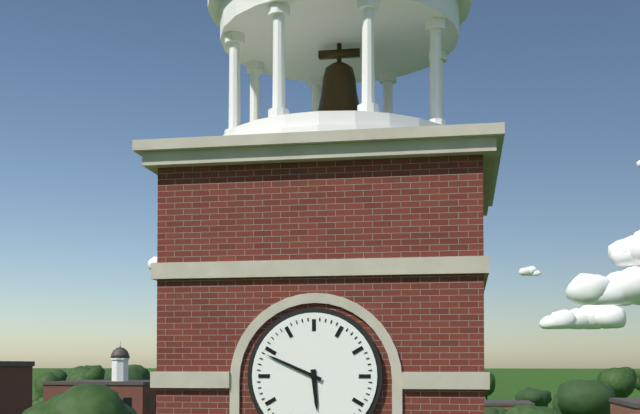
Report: 5 h 49 min
